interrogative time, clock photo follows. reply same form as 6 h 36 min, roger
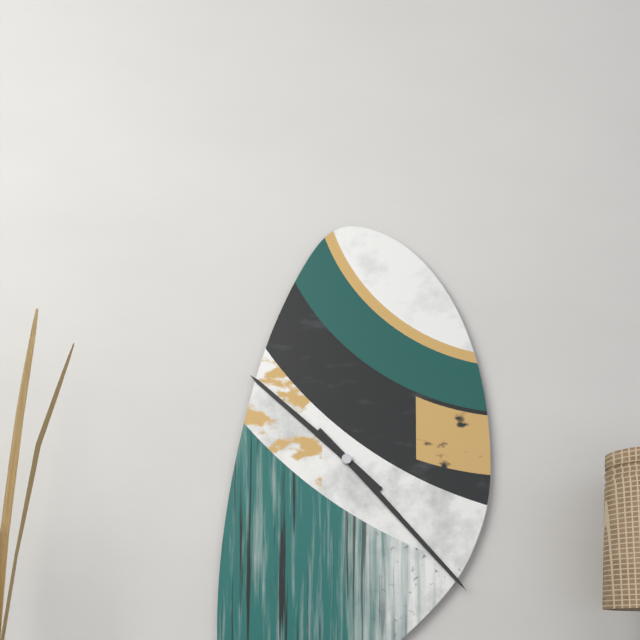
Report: 10 h 23 min
